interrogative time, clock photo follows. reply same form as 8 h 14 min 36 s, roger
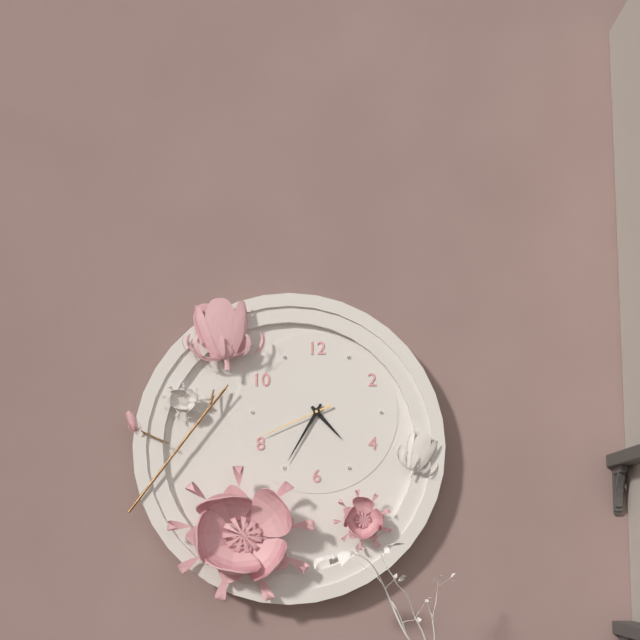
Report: 4 h 35 min 41 s
